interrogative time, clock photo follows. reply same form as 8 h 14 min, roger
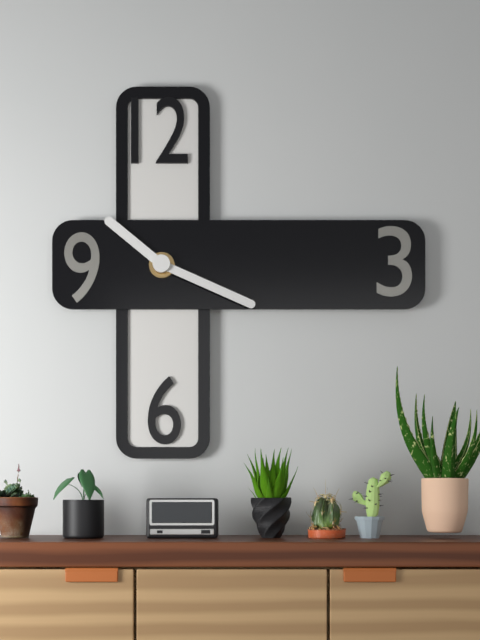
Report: 10 h 19 min
